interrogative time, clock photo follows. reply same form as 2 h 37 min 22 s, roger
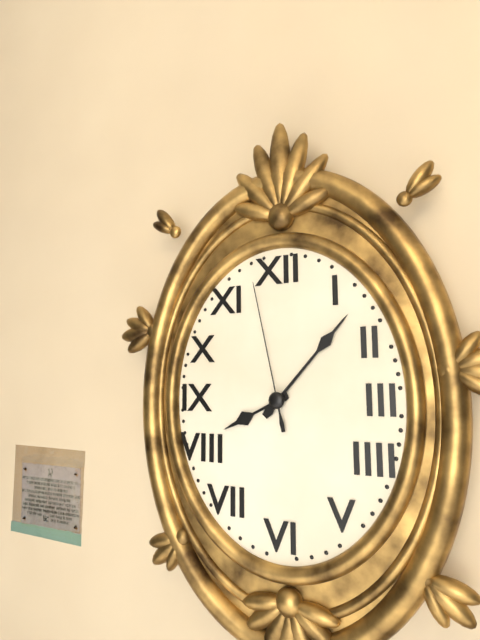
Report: 8 h 07 min 58 s
